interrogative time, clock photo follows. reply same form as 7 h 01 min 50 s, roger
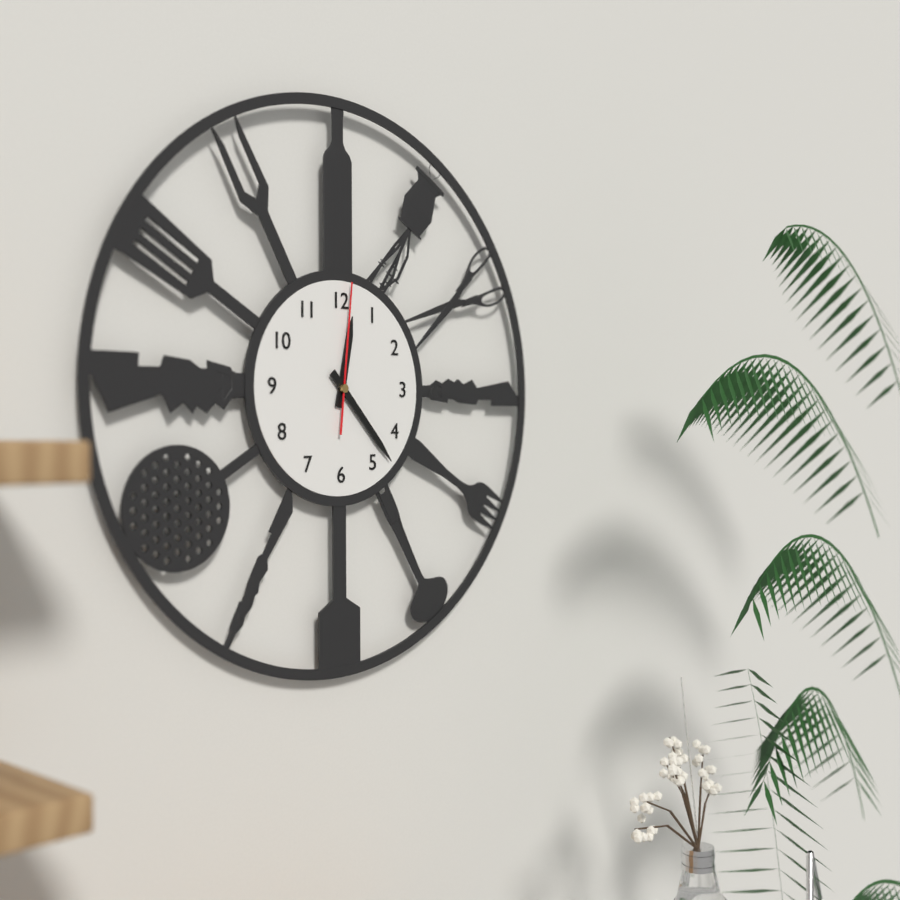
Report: 12 h 23 min 01 s
